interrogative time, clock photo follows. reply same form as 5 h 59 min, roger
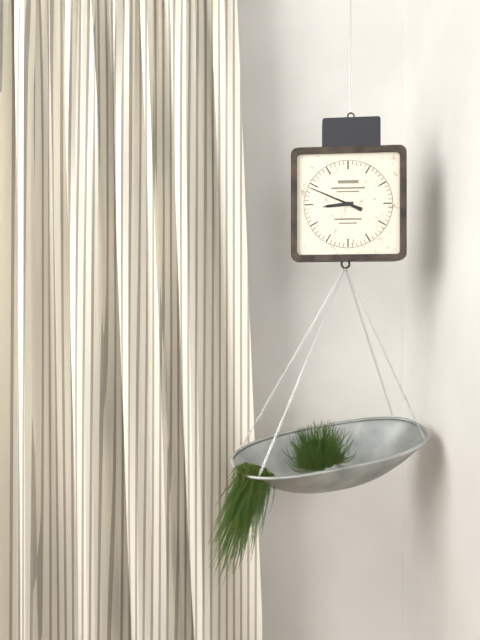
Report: 8 h 49 min
